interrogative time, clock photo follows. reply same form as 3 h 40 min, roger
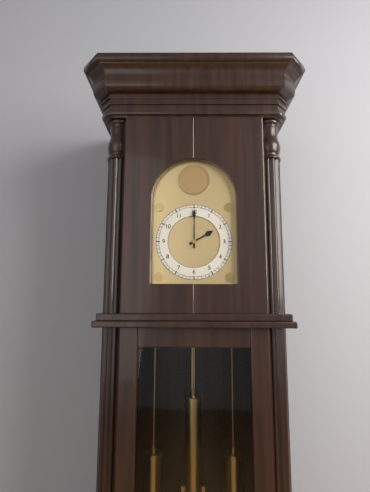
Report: 2 h 00 min
